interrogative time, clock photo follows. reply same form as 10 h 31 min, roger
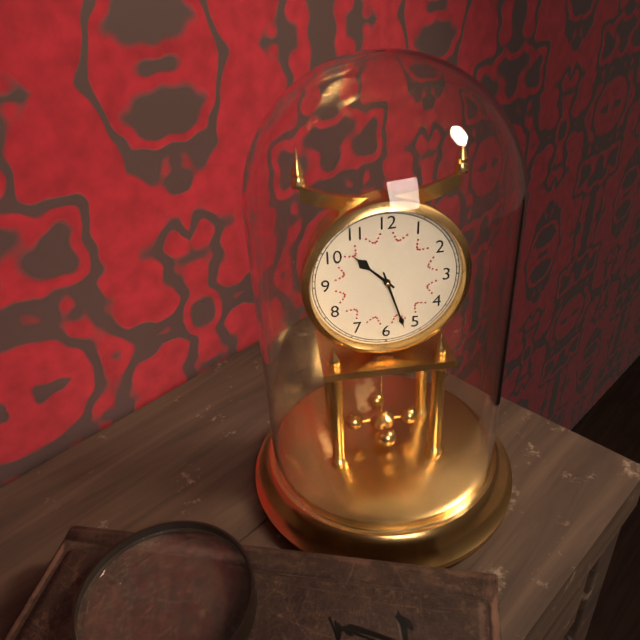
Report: 10 h 27 min
